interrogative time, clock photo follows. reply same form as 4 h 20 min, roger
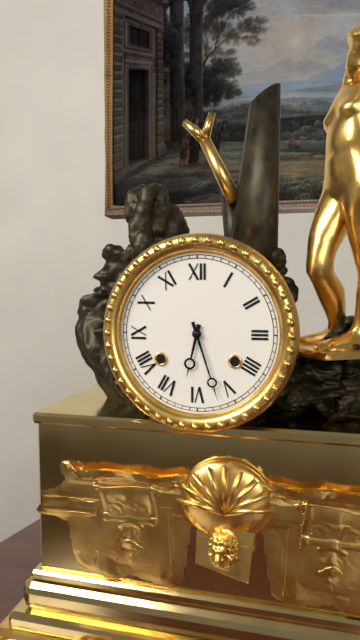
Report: 6 h 27 min
